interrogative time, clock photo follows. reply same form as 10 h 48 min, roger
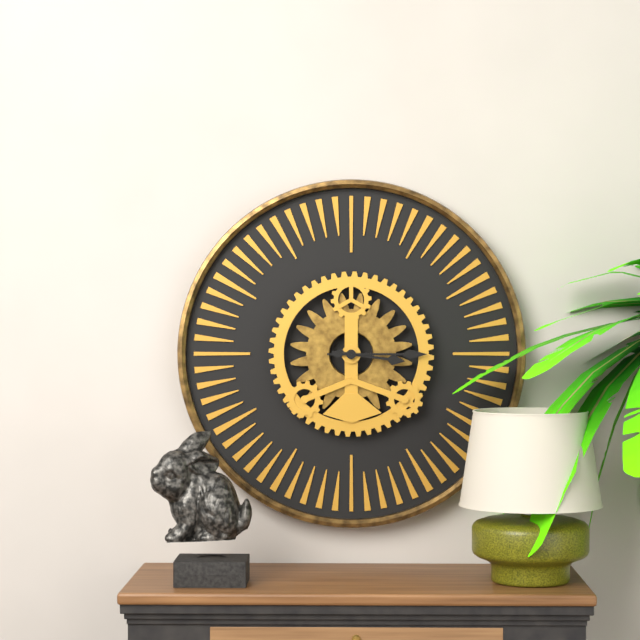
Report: 3 h 15 min
